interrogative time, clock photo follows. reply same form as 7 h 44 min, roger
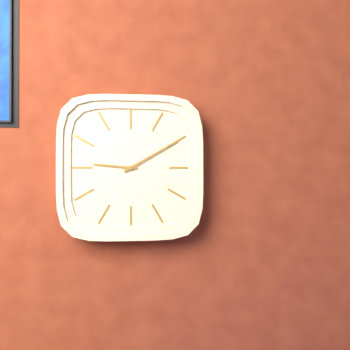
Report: 9 h 10 min
